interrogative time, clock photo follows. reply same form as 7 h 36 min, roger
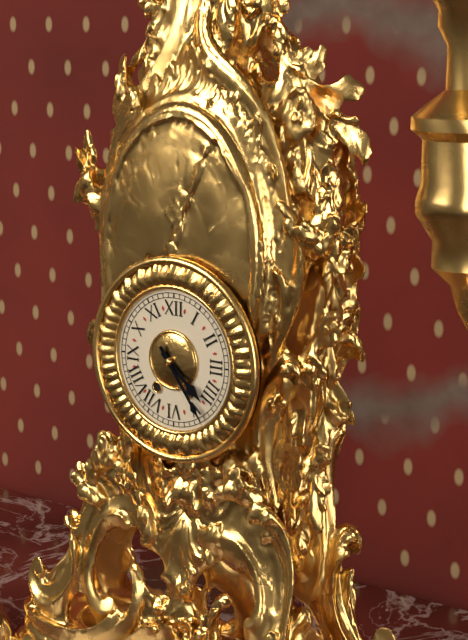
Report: 4 h 24 min
